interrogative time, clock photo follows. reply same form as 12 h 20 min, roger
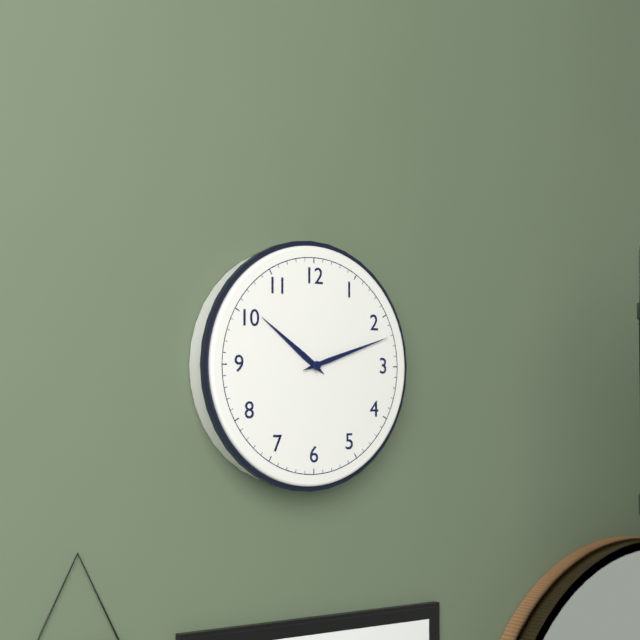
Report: 10 h 12 min
